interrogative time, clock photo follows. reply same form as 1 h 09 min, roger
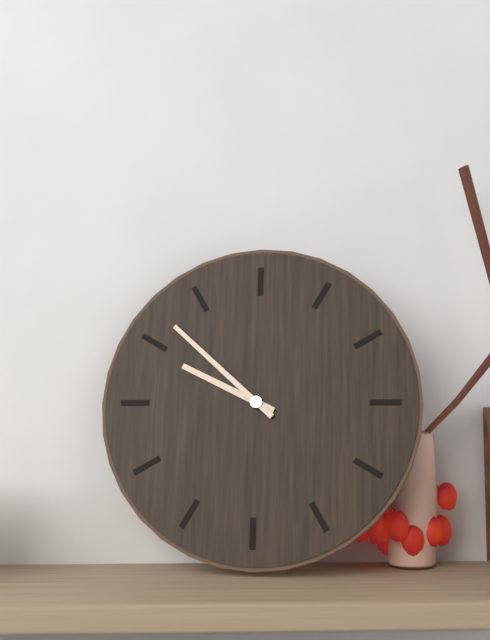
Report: 9 h 52 min
